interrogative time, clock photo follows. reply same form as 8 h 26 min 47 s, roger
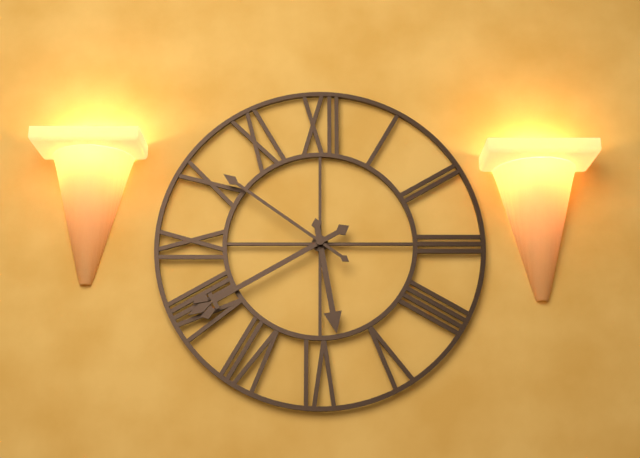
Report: 5 h 40 min 51 s
